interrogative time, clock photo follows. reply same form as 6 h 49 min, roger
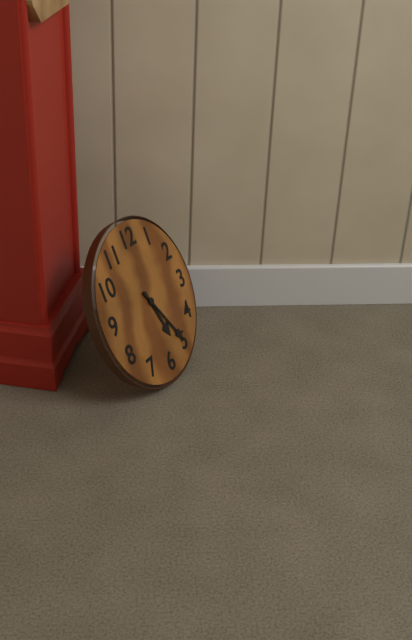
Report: 5 h 25 min
